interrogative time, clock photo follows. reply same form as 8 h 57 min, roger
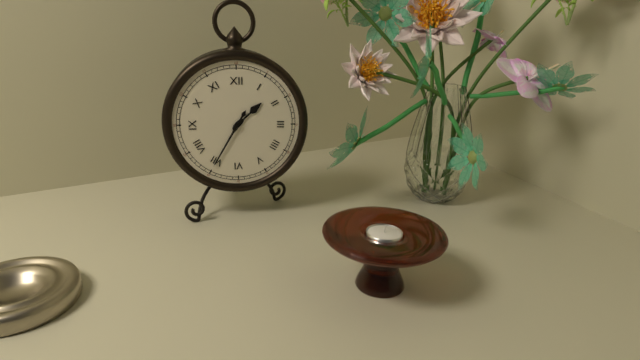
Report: 1 h 35 min
